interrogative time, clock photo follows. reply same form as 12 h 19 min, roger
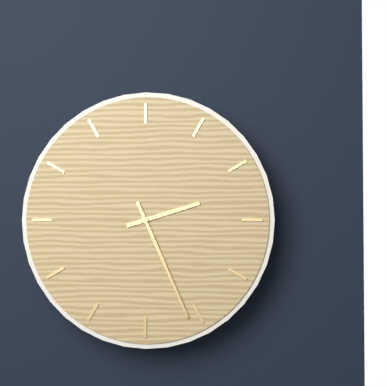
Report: 2 h 26 min
